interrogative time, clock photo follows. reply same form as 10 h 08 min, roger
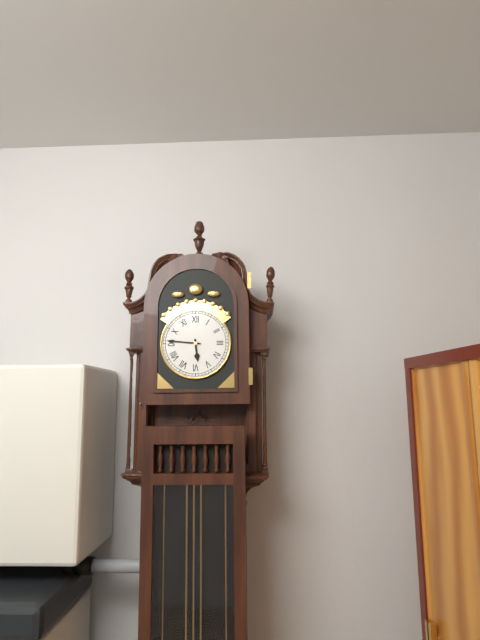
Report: 5 h 46 min
